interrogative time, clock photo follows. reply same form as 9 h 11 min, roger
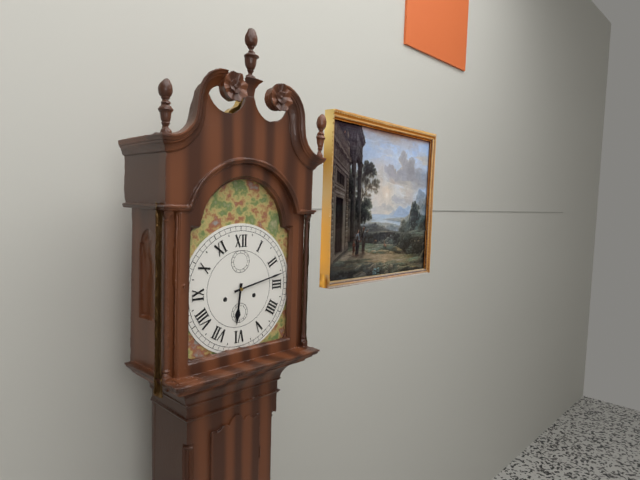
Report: 6 h 13 min
